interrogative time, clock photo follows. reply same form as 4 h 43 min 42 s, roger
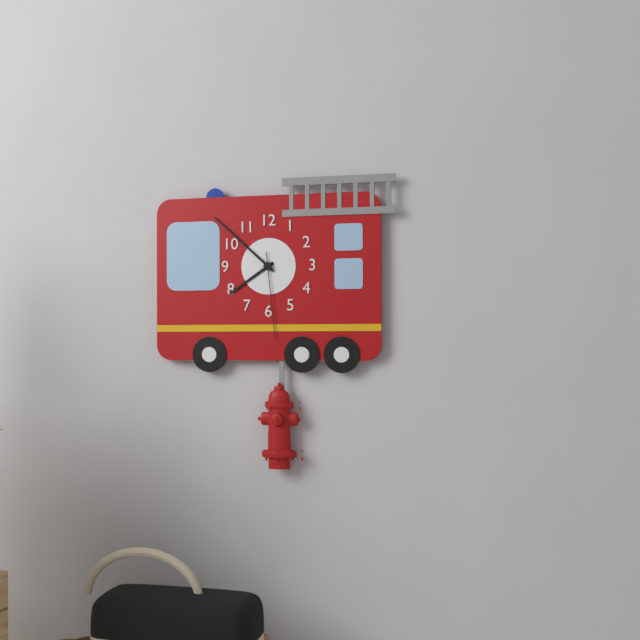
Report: 7 h 52 min 29 s
